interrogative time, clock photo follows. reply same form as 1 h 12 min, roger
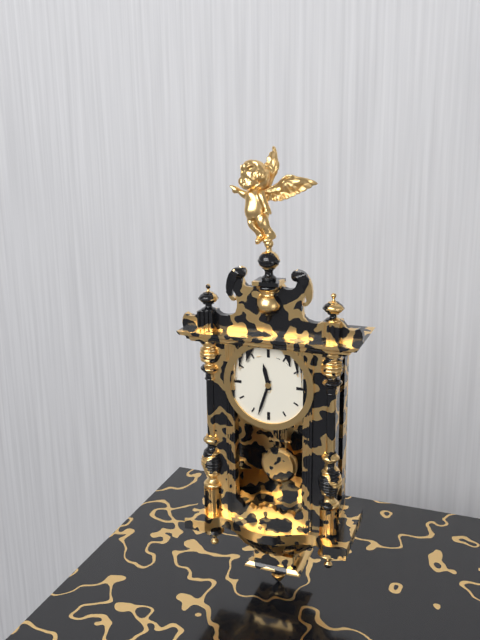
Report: 11 h 33 min
